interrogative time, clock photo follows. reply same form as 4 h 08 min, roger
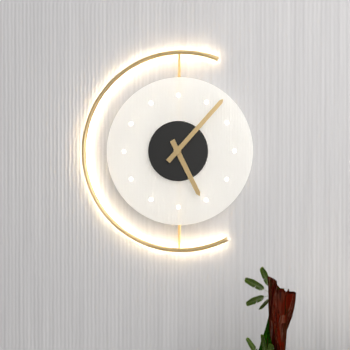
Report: 5 h 07 min
